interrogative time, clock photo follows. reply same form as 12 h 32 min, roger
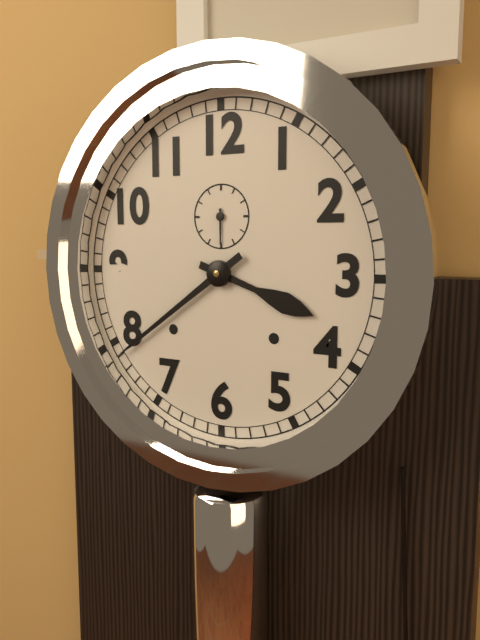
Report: 3 h 39 min
